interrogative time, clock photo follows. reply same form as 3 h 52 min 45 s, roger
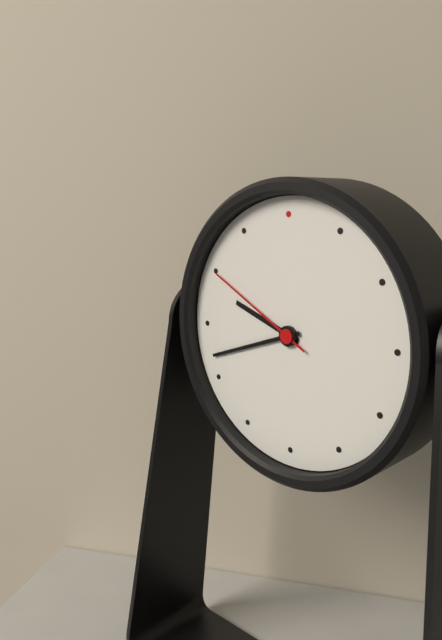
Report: 9 h 42 min 50 s
